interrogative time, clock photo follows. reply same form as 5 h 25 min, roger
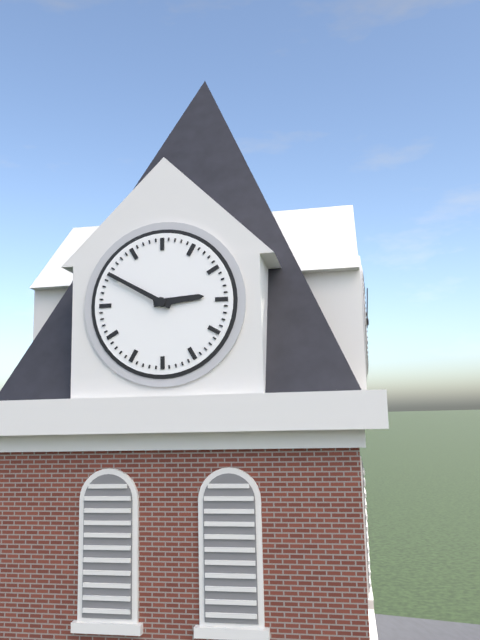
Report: 2 h 50 min
